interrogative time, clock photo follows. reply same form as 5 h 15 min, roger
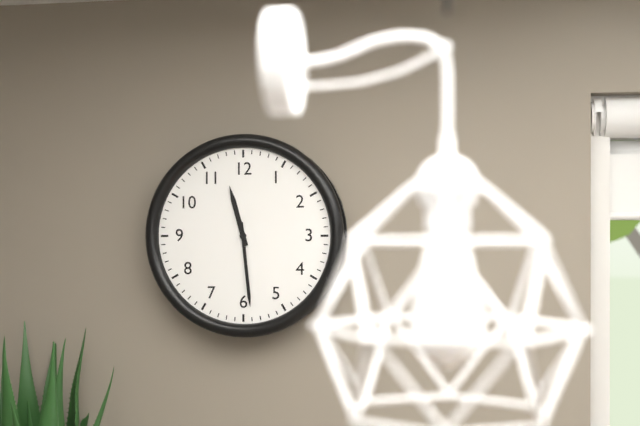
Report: 11 h 29 min
